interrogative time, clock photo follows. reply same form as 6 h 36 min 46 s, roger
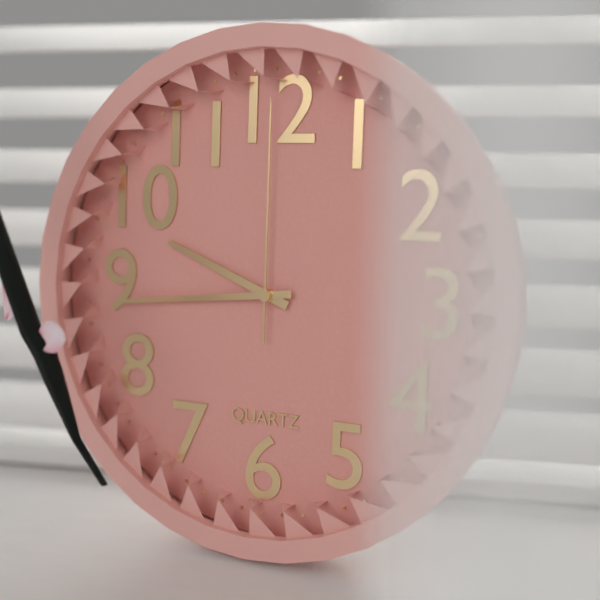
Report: 9 h 44 min 00 s
